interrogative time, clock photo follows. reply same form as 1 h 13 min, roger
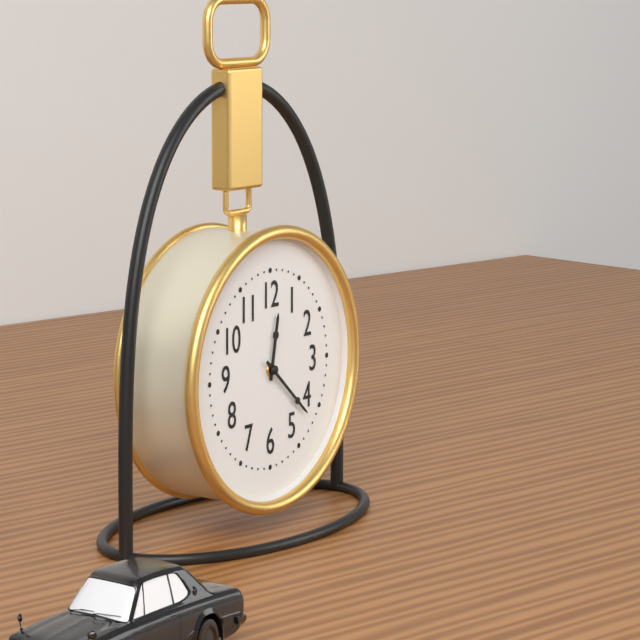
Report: 12 h 22 min
